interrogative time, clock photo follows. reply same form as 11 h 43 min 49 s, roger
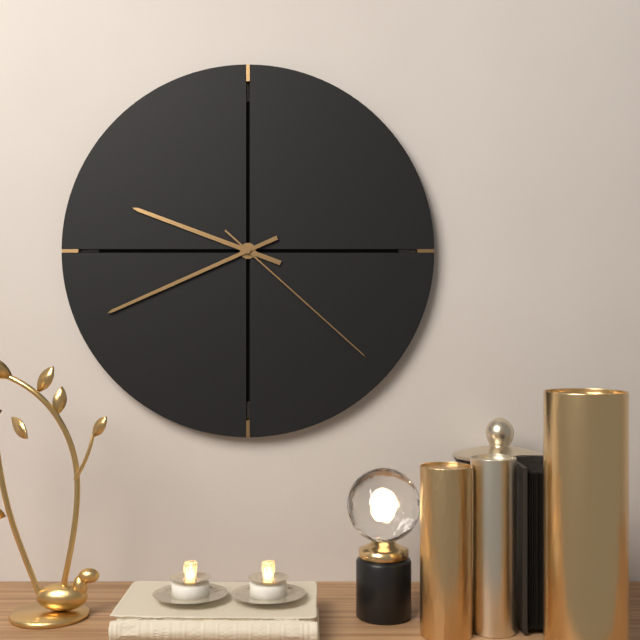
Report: 9 h 41 min 22 s
